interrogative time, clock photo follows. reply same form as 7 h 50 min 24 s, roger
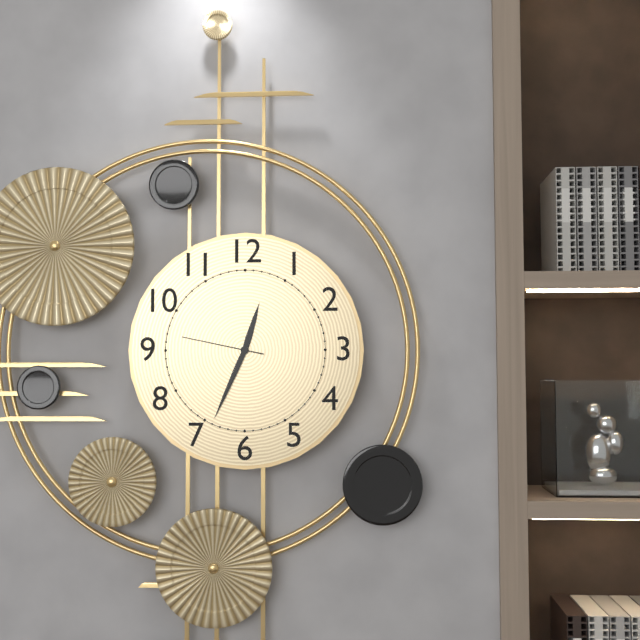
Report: 12 h 34 min 47 s
